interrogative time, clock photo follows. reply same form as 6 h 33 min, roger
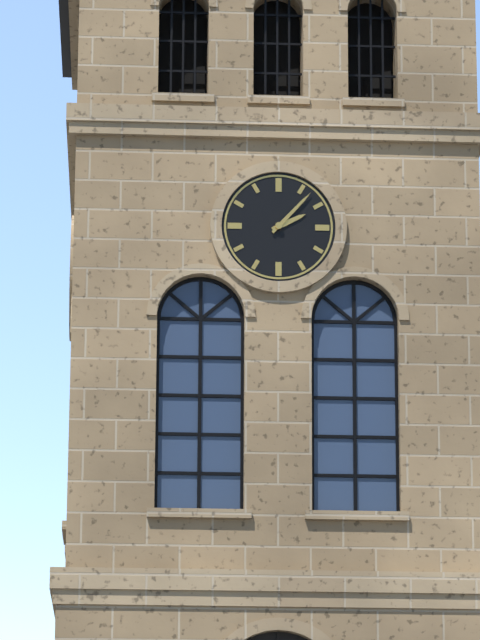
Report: 2 h 07 min
